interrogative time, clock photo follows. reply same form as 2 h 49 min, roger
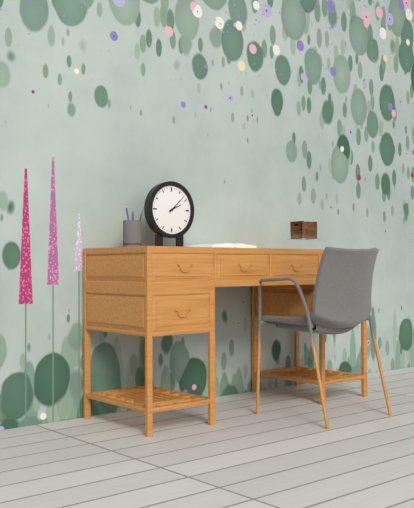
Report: 2 h 08 min
